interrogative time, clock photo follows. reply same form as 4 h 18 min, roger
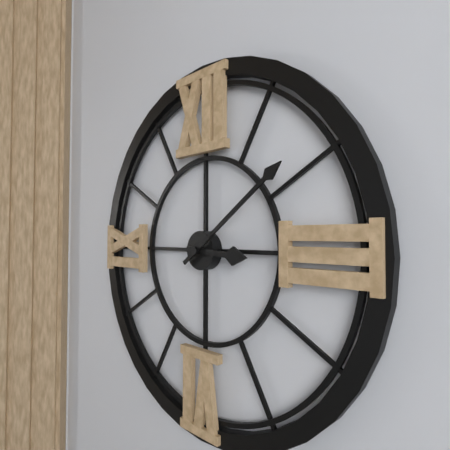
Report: 3 h 09 min
